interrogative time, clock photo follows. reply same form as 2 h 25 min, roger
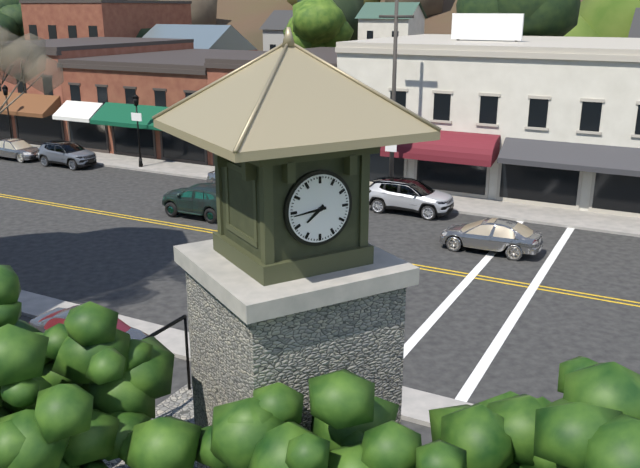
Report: 7 h 44 min
